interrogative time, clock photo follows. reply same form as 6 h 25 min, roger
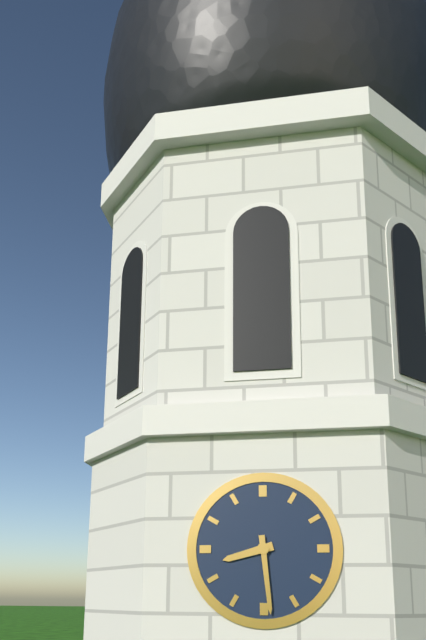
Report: 8 h 29 min
